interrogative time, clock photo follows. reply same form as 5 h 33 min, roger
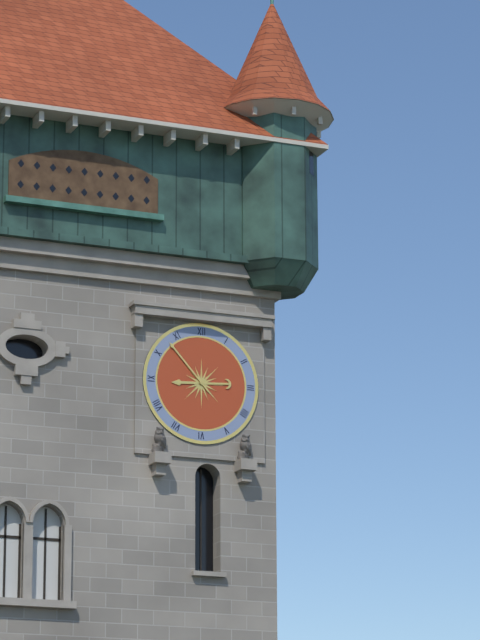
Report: 8 h 53 min
